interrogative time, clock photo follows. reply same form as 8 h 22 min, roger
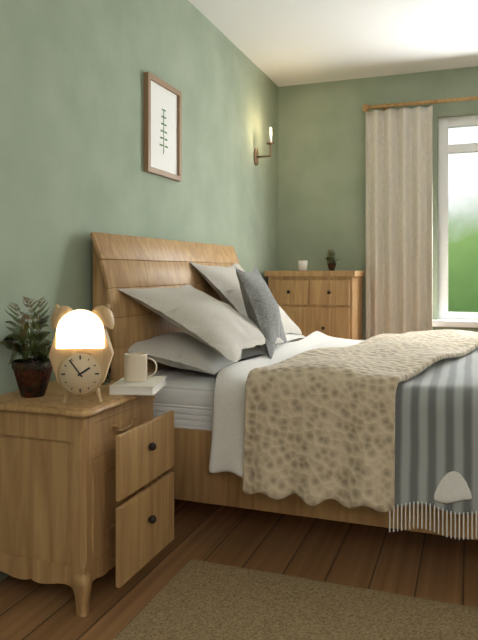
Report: 1 h 54 min
